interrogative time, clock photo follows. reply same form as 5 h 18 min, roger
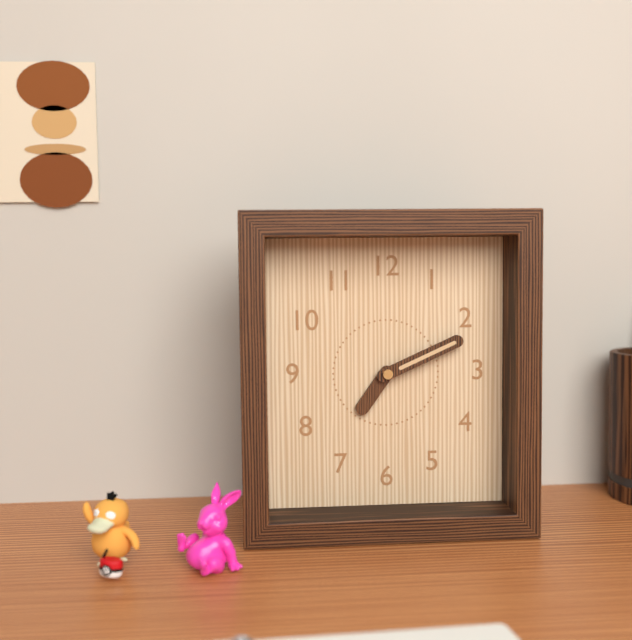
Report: 7 h 11 min
